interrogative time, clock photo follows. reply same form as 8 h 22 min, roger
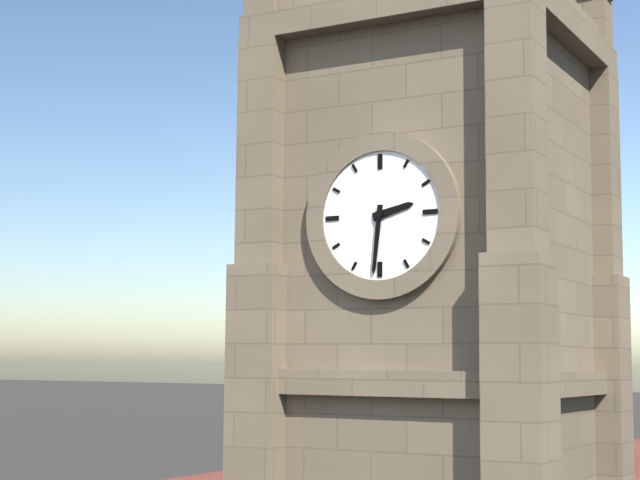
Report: 2 h 31 min
